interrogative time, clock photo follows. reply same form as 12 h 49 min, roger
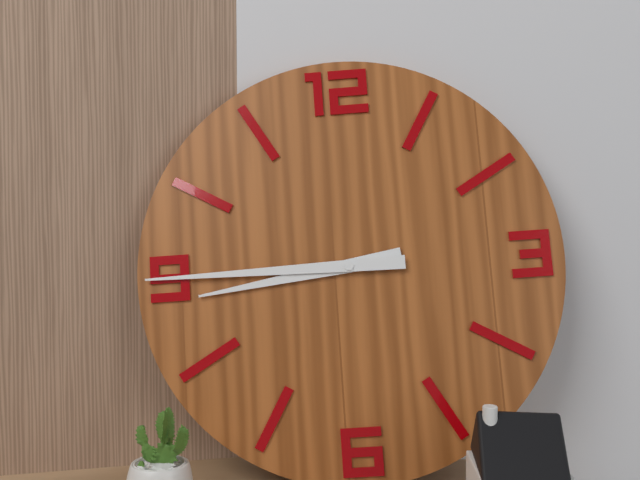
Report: 8 h 45 min
